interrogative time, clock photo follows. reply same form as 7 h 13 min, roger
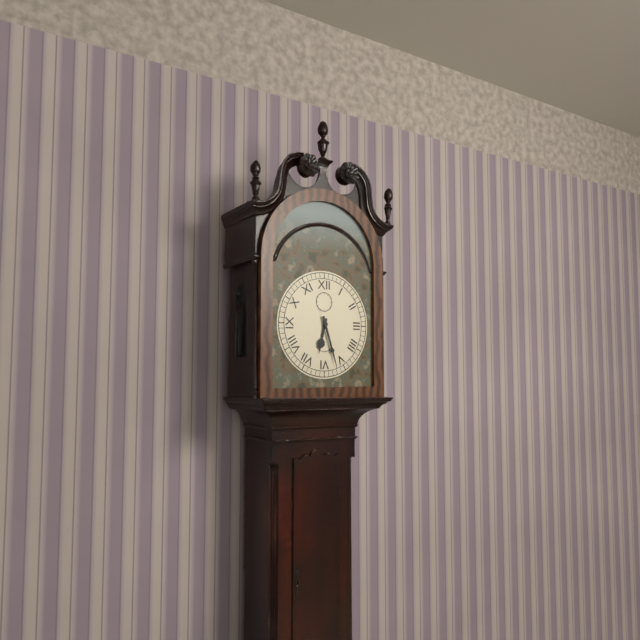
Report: 6 h 27 min
